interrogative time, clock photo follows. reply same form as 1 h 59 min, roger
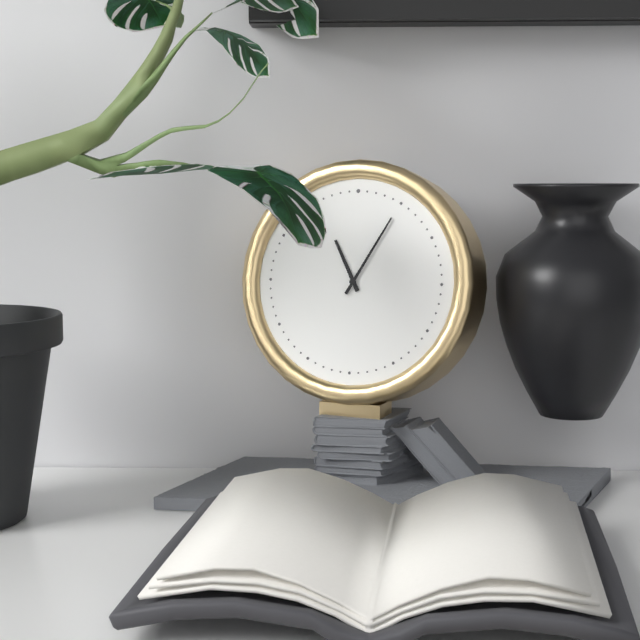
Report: 11 h 05 min
